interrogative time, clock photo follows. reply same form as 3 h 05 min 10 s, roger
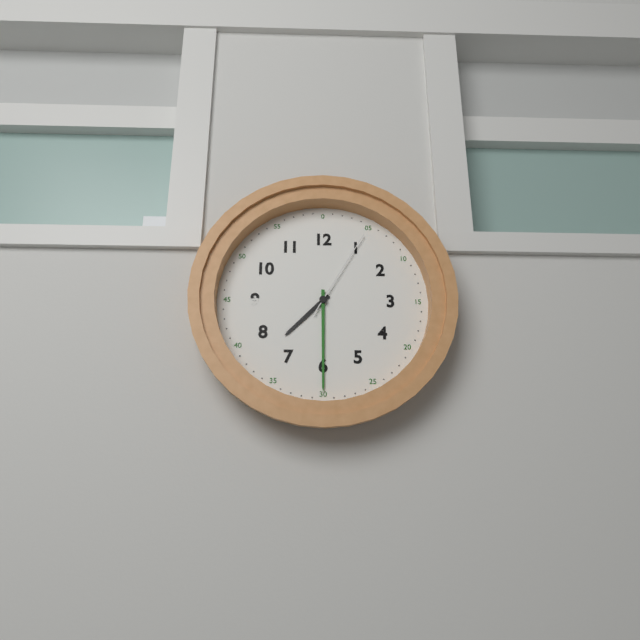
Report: 7 h 30 min 05 s
